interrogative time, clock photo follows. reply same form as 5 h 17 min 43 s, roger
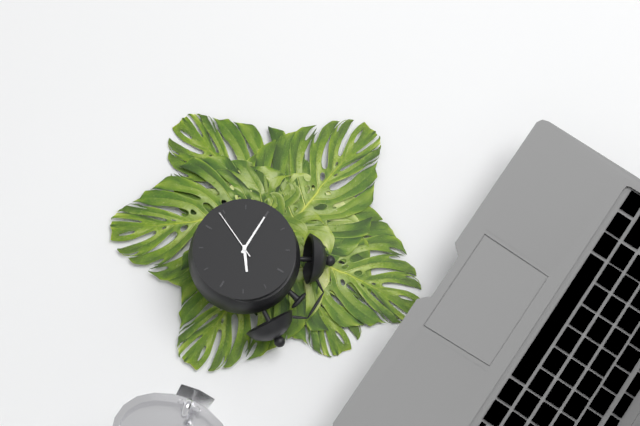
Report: 1 h 45 min 34 s
